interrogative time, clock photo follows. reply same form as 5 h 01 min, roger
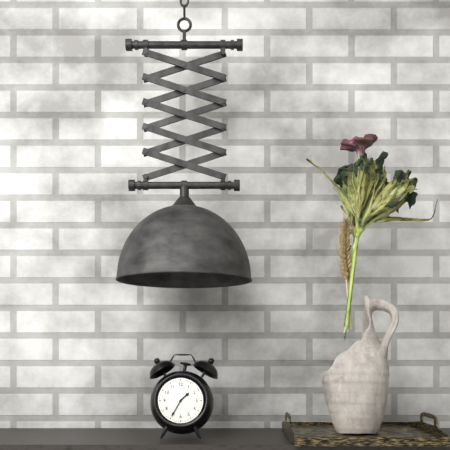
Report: 1 h 35 min
